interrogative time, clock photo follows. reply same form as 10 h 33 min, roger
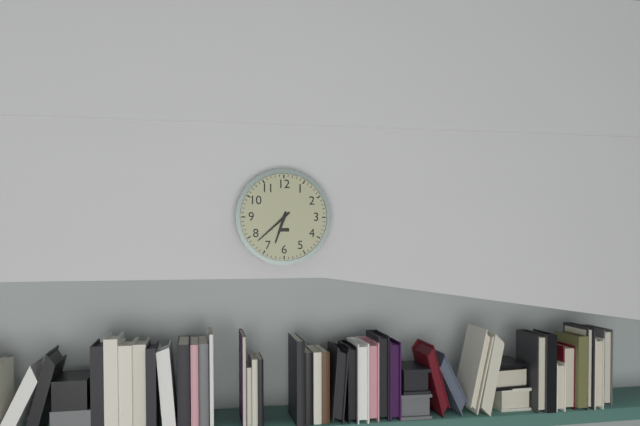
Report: 6 h 38 min
